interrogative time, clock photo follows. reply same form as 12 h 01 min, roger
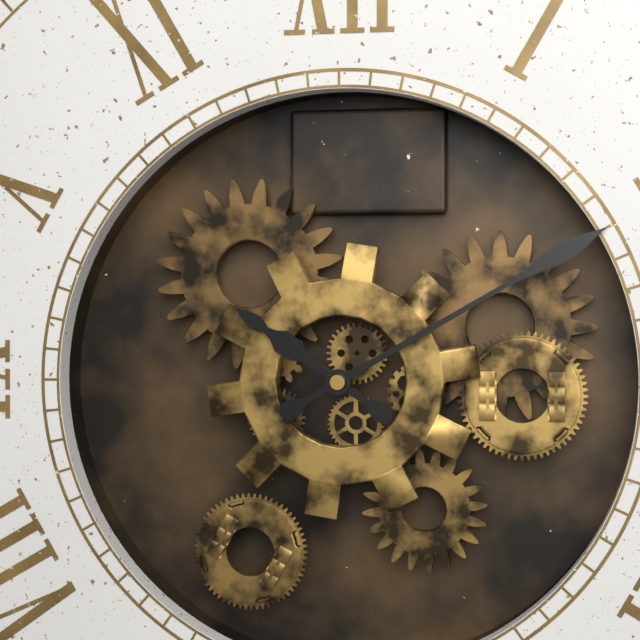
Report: 10 h 10 min
